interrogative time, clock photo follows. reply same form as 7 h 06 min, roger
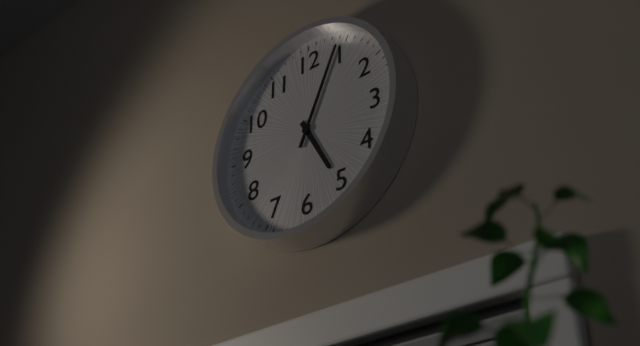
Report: 5 h 04 min
